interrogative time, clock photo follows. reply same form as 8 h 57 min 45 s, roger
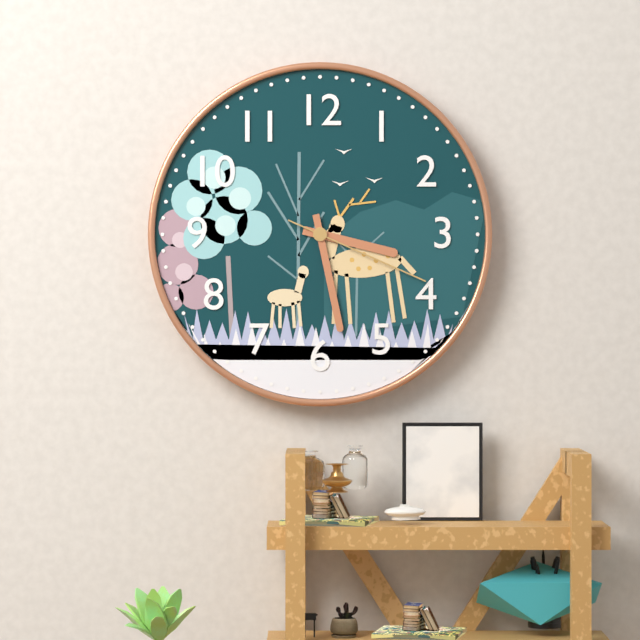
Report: 3 h 28 min 19 s
